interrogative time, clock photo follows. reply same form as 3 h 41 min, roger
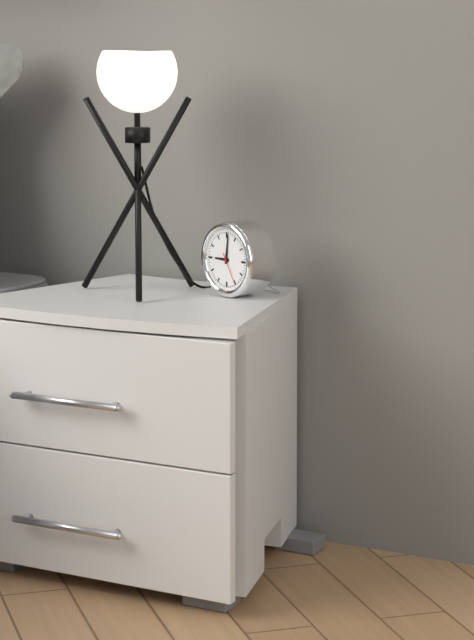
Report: 9 h 01 min
